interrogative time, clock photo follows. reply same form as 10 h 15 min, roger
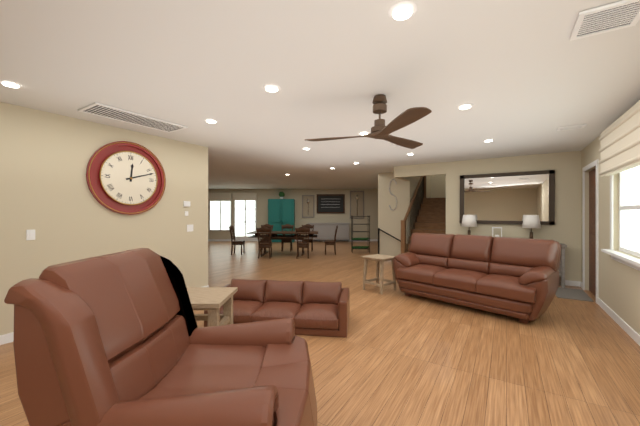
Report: 12 h 12 min
